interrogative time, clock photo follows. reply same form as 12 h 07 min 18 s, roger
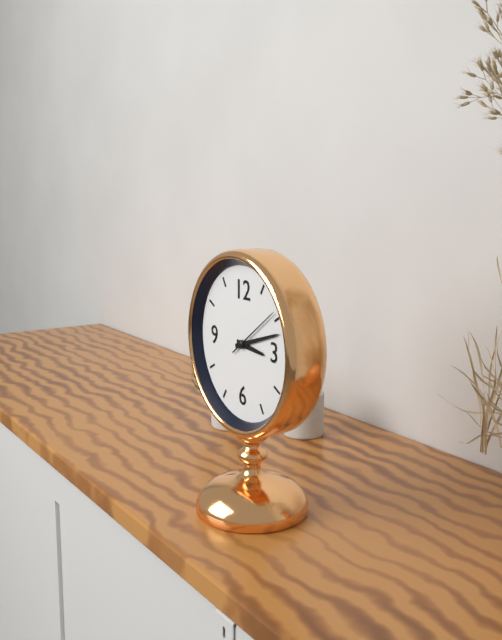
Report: 3 h 12 min 09 s
